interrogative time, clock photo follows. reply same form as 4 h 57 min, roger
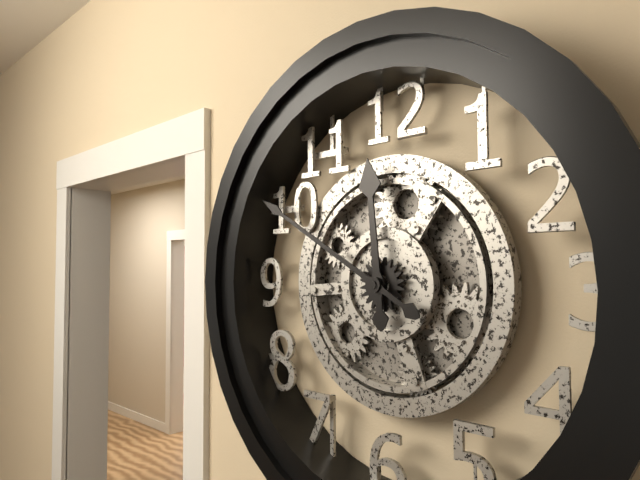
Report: 11 h 50 min
